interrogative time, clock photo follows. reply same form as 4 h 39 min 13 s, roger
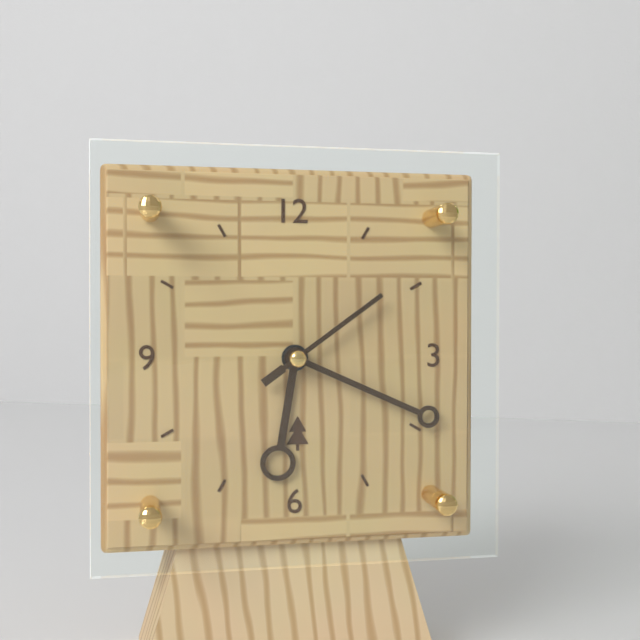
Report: 6 h 19 min 09 s
